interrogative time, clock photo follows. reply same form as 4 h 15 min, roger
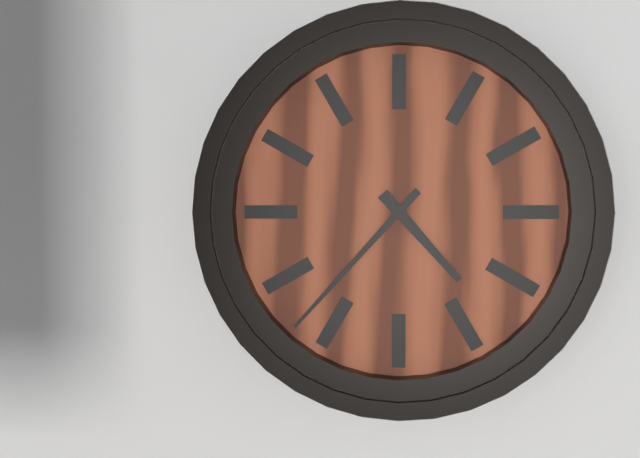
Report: 4 h 37 min
